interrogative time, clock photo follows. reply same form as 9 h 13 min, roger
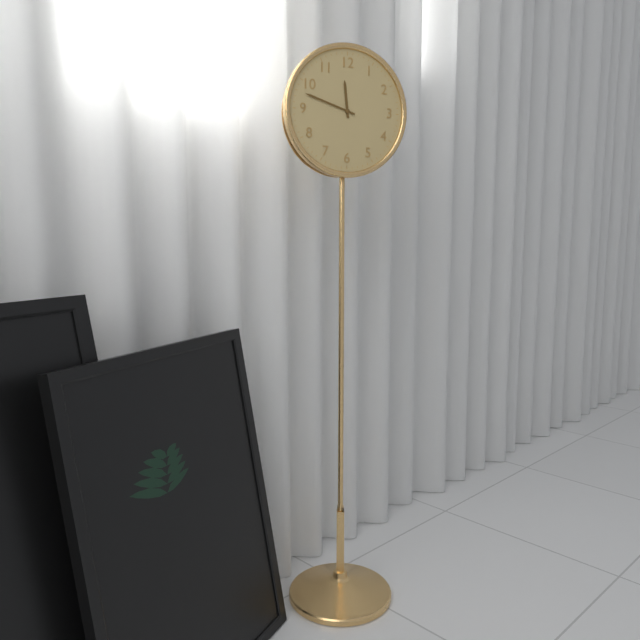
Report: 11 h 48 min
